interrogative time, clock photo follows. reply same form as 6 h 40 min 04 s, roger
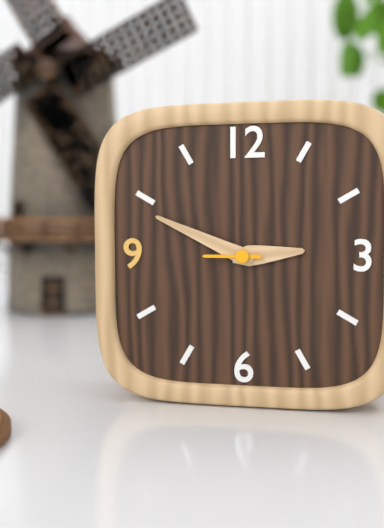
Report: 2 h 49 min 45 s
